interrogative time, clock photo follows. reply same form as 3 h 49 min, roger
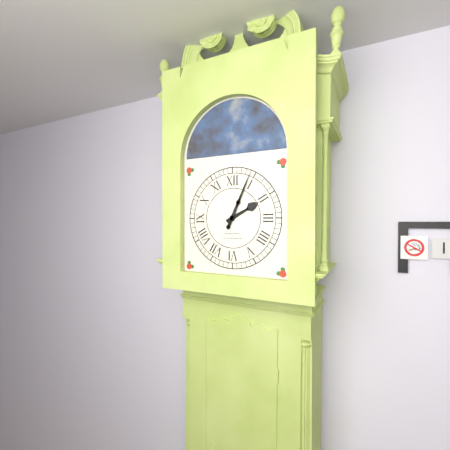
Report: 2 h 04 min
